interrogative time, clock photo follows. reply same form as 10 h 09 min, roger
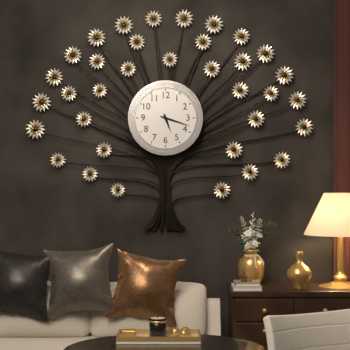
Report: 5 h 18 min
